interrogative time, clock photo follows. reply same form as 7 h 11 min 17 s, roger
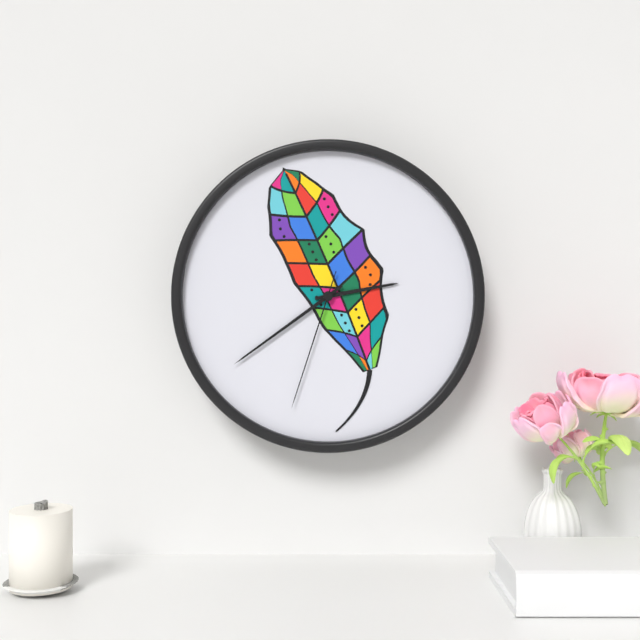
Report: 2 h 39 min 33 s
